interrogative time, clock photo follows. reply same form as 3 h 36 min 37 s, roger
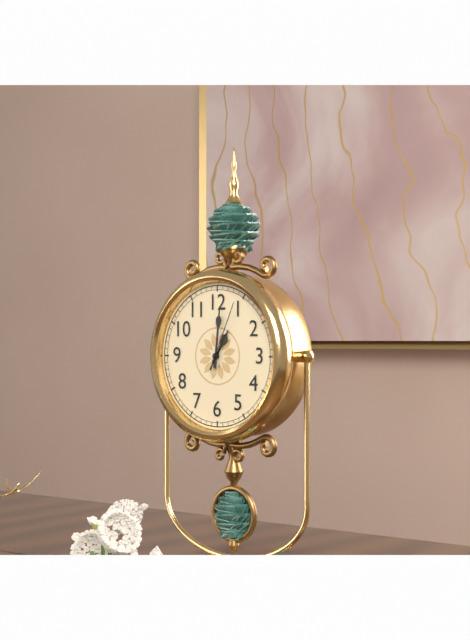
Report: 1 h 01 min 04 s
